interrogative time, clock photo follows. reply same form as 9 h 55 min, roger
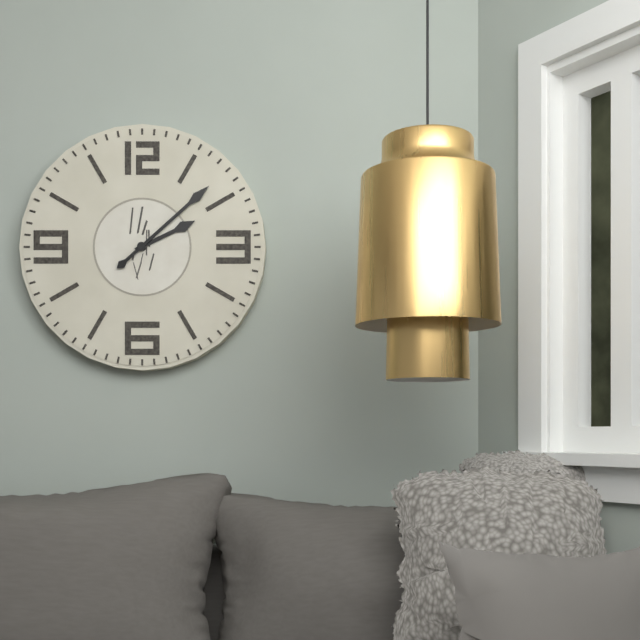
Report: 2 h 08 min
